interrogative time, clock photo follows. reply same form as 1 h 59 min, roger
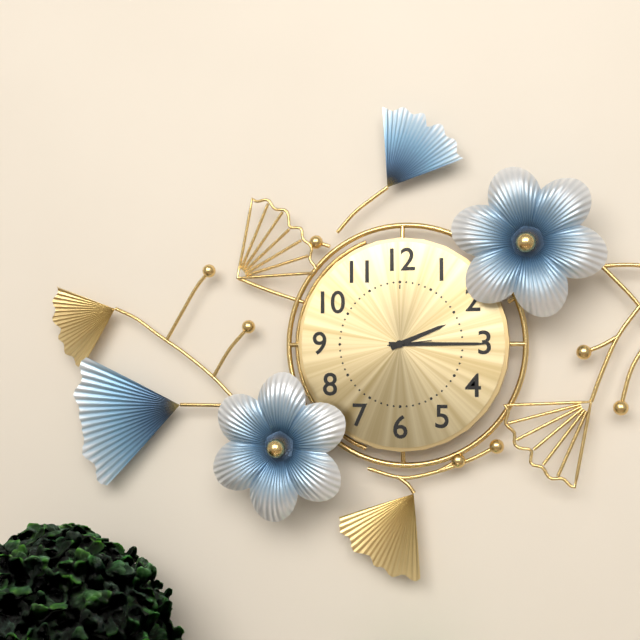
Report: 2 h 15 min
